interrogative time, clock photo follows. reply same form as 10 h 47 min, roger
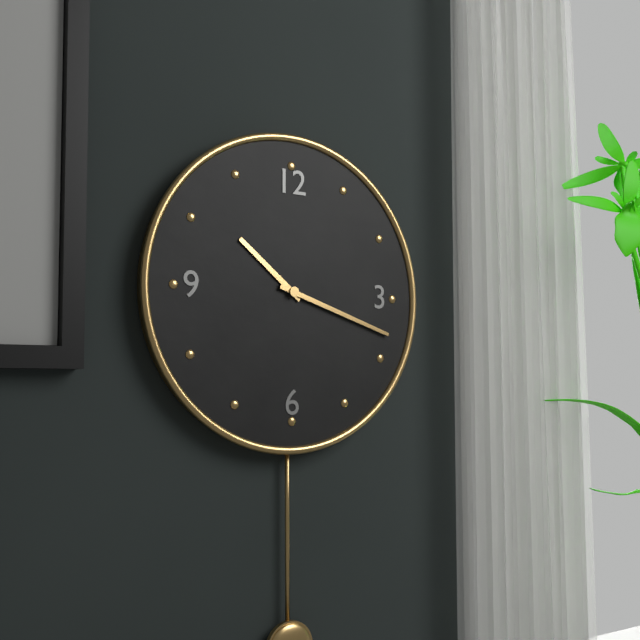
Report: 10 h 18 min
